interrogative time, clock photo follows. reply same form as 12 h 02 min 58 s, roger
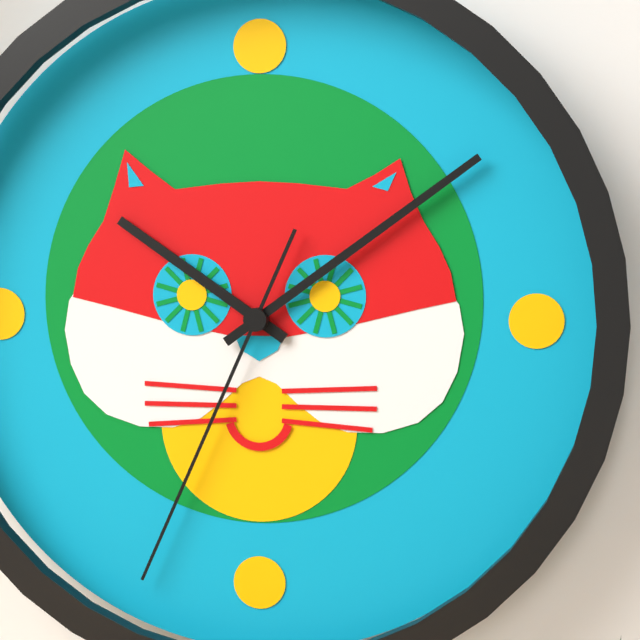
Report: 10 h 09 min 34 s
